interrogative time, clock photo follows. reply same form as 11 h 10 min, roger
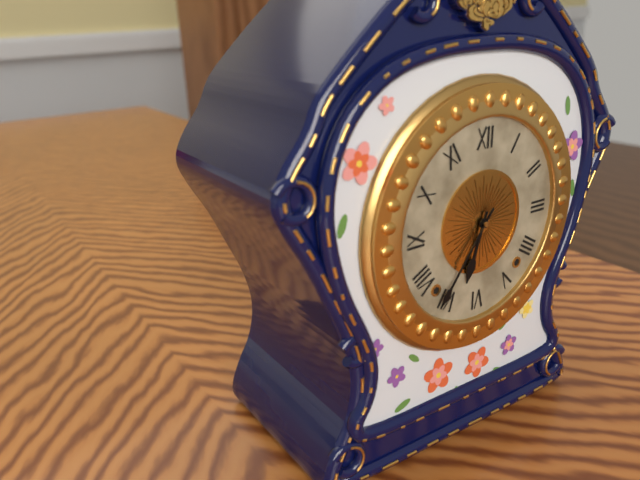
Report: 6 h 36 min
